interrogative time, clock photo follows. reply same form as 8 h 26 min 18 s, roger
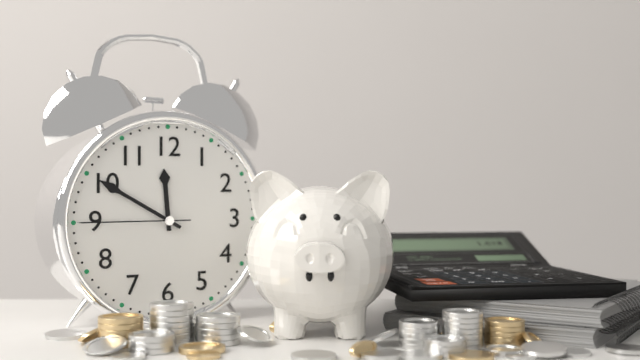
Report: 11 h 50 min 45 s
